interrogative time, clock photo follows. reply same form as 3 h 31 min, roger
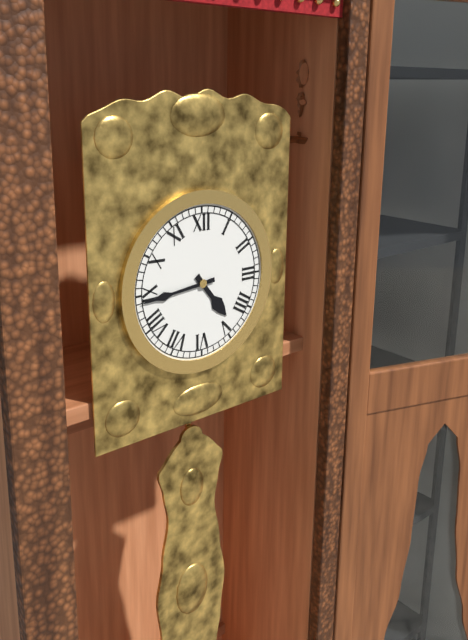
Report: 4 h 44 min
